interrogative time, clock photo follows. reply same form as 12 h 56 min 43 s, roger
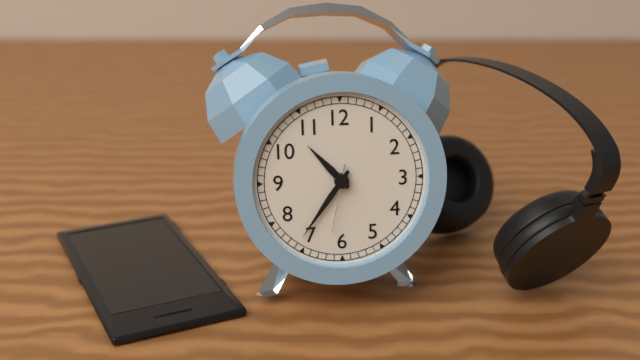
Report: 10 h 36 min 32 s
